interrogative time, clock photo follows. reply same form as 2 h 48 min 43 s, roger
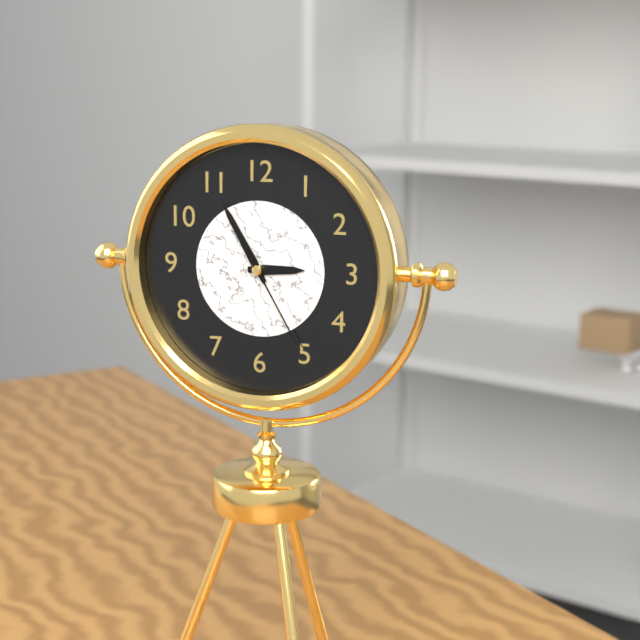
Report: 2 h 55 min 25 s
